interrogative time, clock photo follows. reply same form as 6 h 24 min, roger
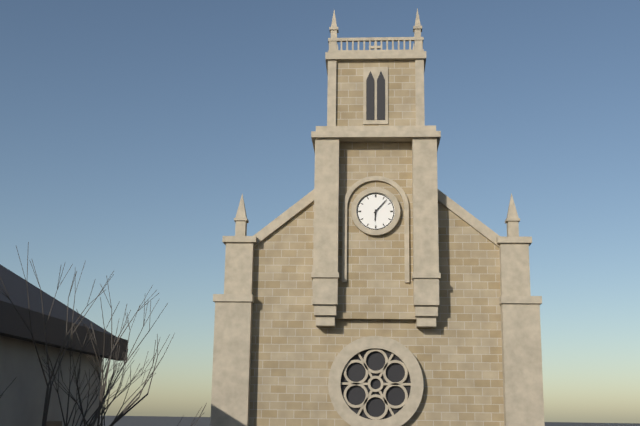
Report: 6 h 07 min
